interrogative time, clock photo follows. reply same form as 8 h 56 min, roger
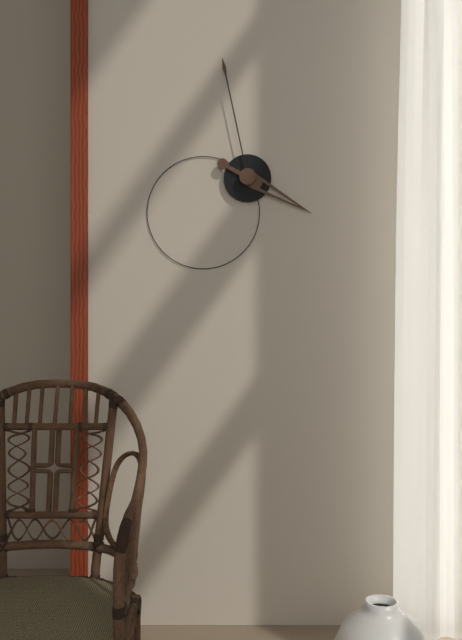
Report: 3 h 58 min
